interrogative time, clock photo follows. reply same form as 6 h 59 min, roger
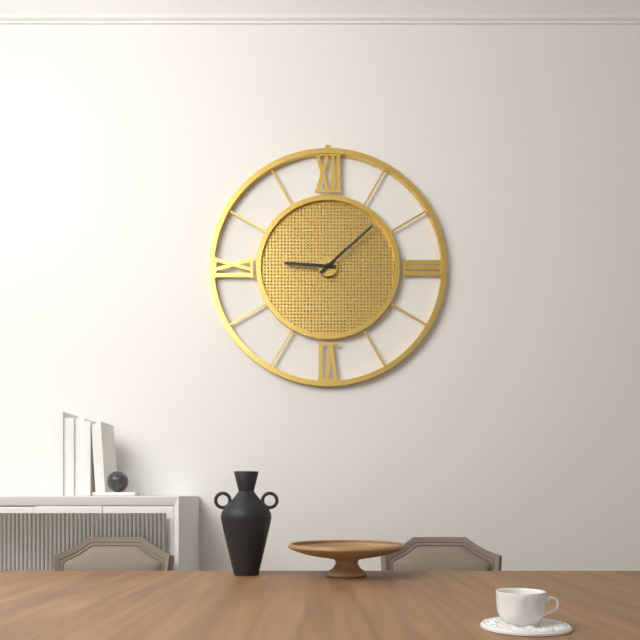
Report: 9 h 08 min
